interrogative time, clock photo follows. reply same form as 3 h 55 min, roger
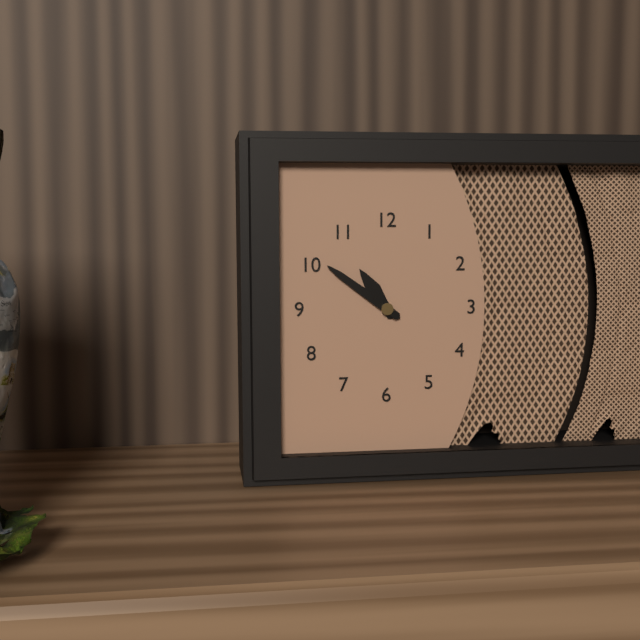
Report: 10 h 51 min
